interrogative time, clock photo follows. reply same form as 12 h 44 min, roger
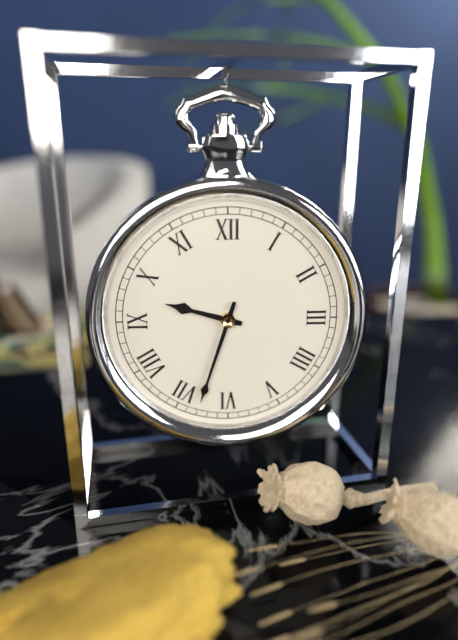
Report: 9 h 33 min
